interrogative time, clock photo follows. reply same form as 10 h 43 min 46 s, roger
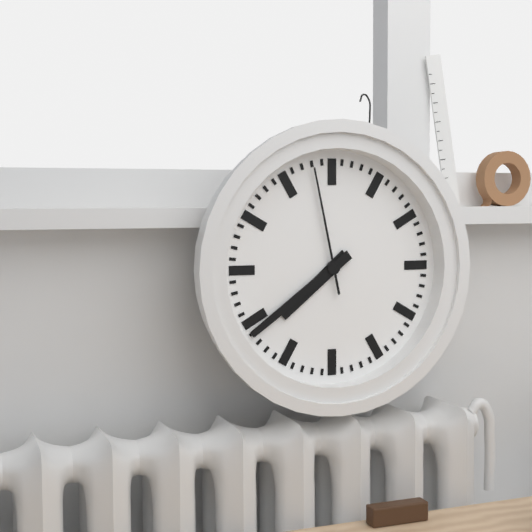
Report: 7 h 39 min 58 s
